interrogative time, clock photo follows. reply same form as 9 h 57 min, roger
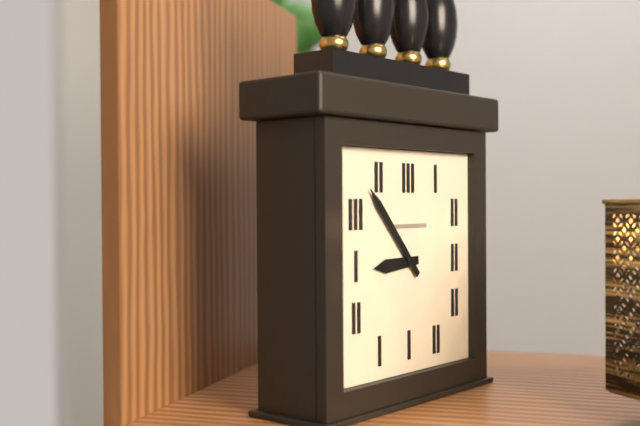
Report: 8 h 53 min
